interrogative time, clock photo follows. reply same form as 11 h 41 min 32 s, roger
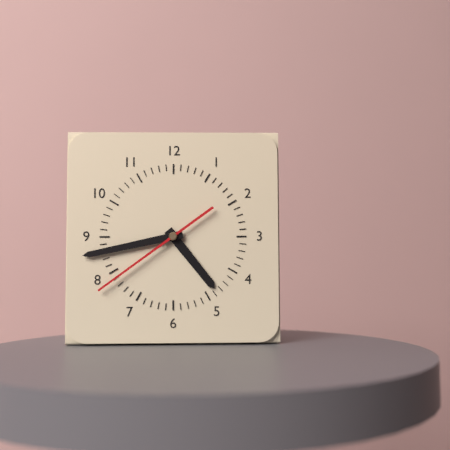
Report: 4 h 43 min 39 s
